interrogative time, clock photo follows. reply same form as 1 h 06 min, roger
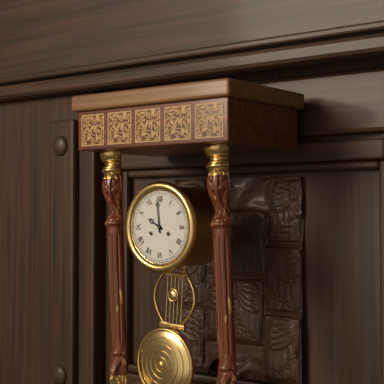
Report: 9 h 59 min
